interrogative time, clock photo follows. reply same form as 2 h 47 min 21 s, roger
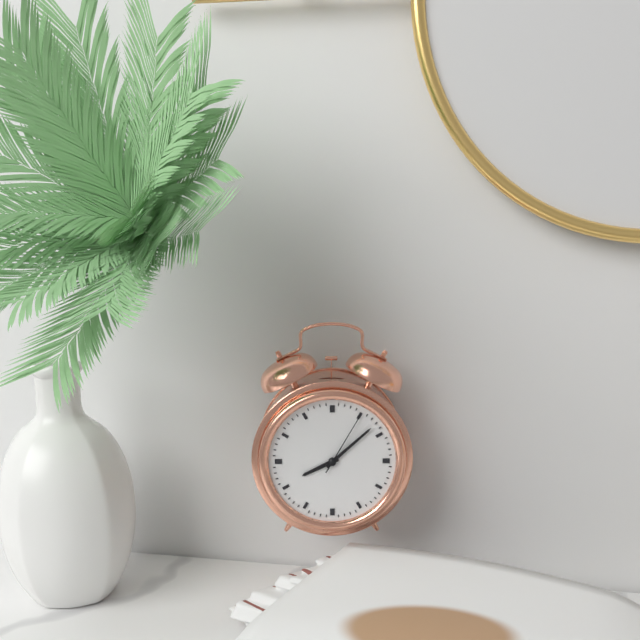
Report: 8 h 08 min 05 s
